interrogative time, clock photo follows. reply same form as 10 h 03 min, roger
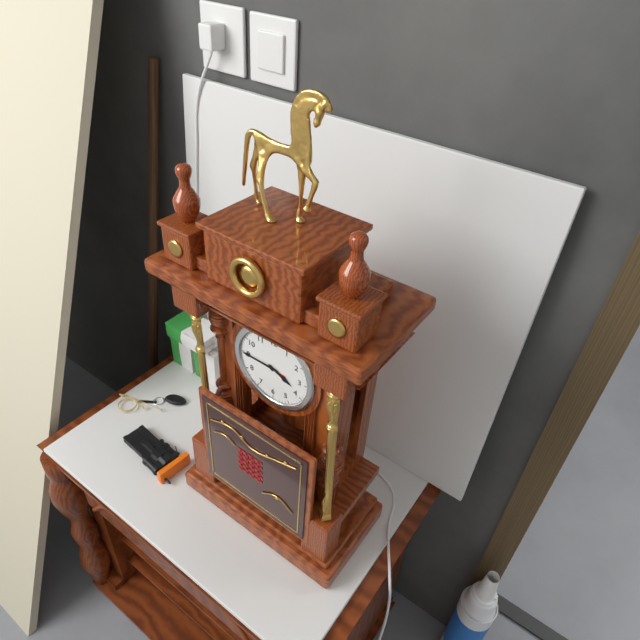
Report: 3 h 45 min
